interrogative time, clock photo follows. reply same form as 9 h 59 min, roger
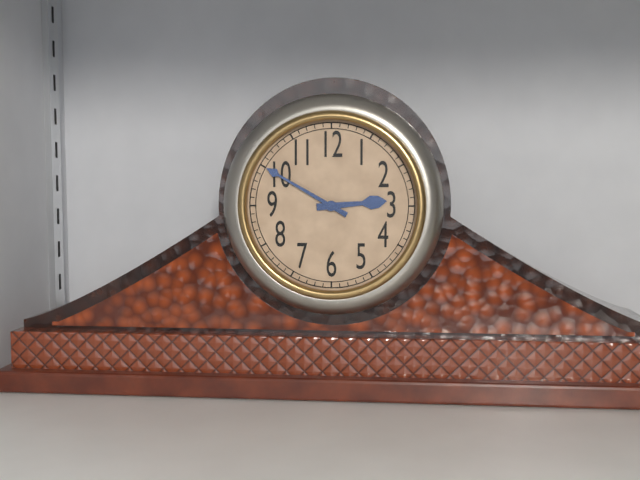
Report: 2 h 50 min
